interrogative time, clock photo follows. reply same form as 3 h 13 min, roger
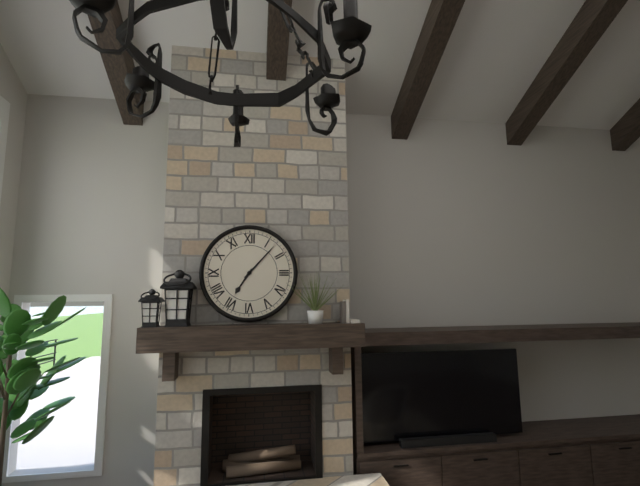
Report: 7 h 07 min
